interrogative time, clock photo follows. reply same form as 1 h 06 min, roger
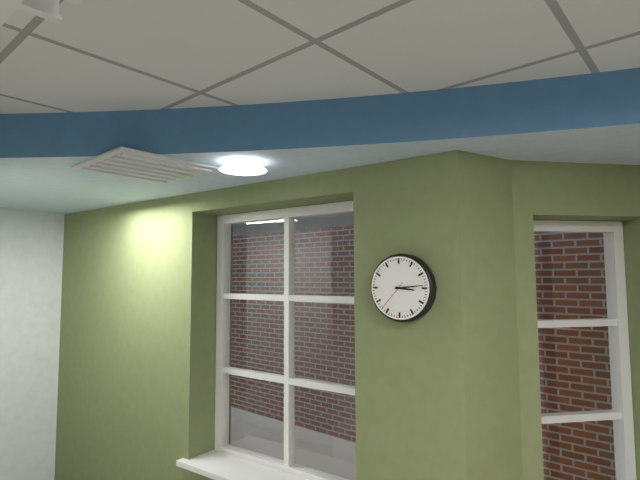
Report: 3 h 14 min
